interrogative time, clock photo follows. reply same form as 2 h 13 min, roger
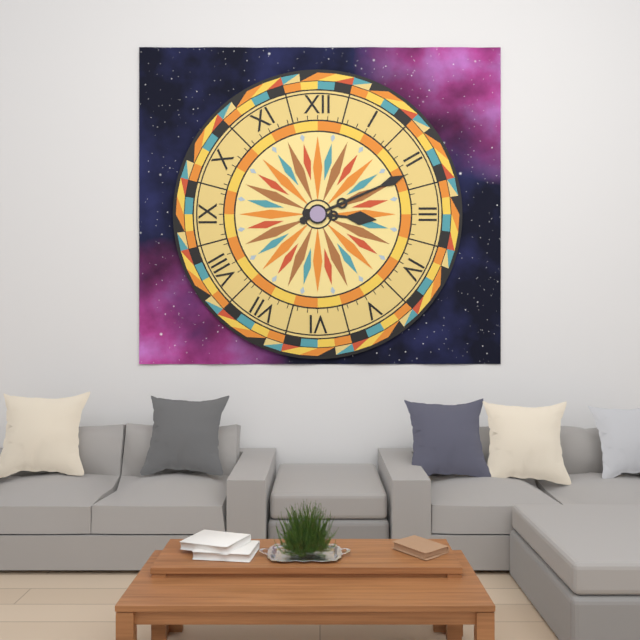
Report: 3 h 11 min
